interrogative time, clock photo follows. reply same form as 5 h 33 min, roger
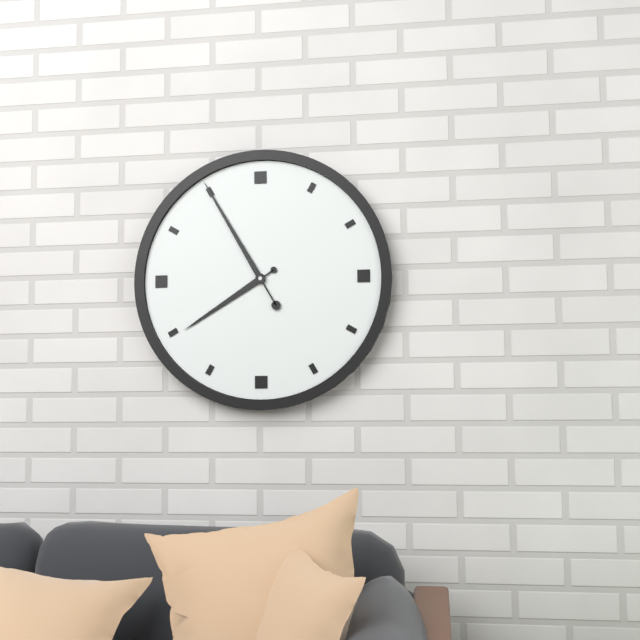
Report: 7 h 55 min
